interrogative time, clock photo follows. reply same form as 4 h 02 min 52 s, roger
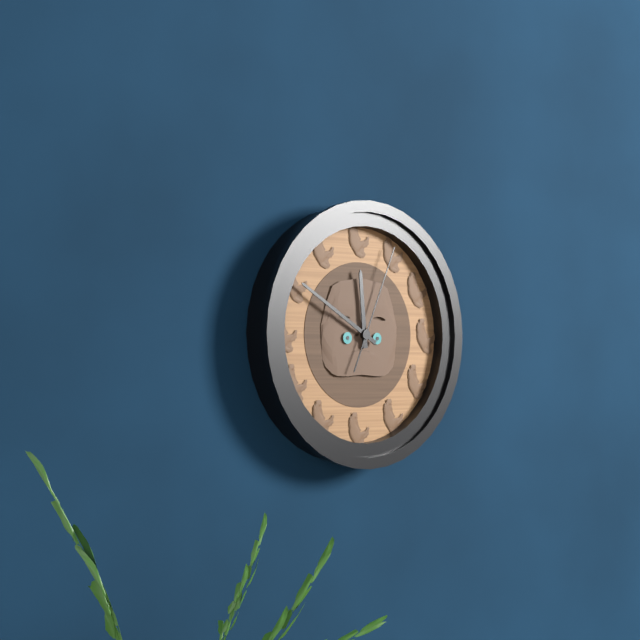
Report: 11 h 50 min 04 s
